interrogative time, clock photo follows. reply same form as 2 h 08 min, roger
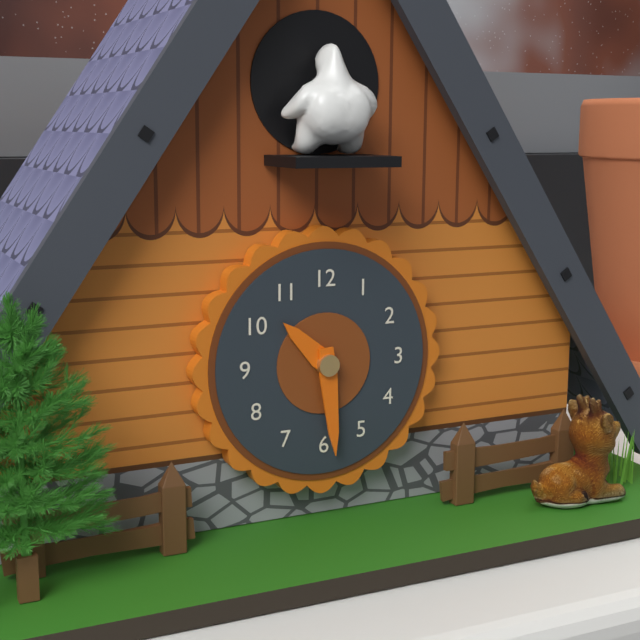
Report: 10 h 29 min
